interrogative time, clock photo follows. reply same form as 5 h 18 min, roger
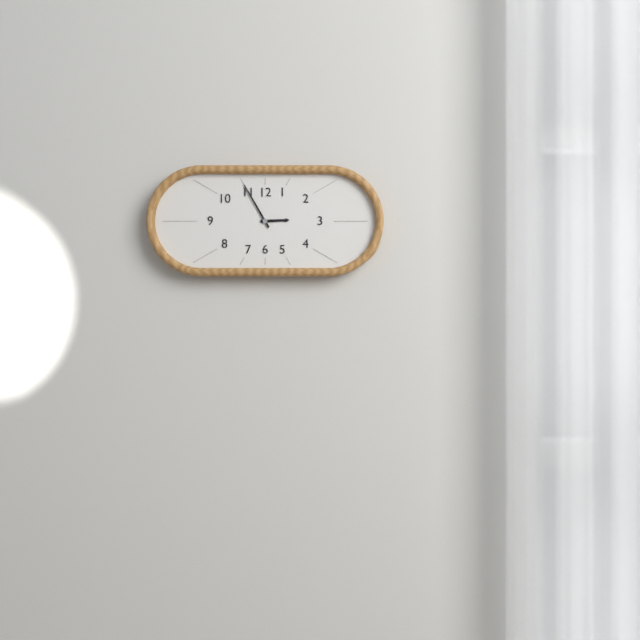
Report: 2 h 55 min
